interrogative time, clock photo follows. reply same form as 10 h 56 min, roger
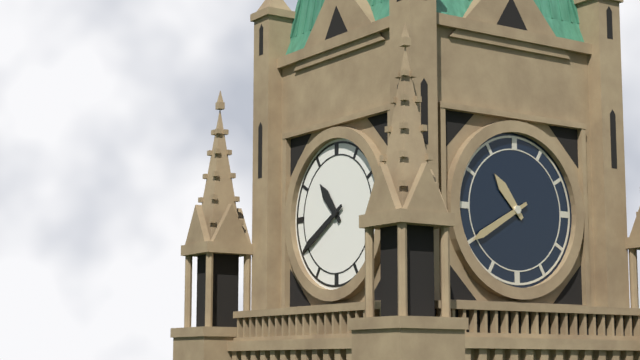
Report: 10 h 40 min
